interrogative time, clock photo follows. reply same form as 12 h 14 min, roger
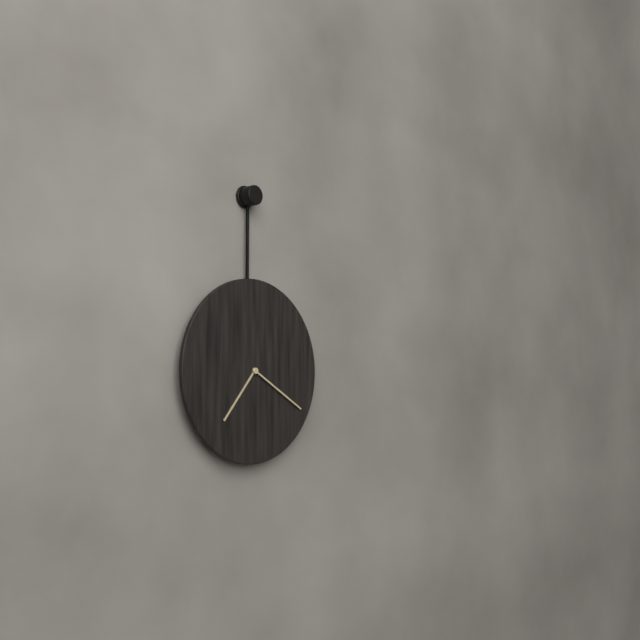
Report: 7 h 20 min
